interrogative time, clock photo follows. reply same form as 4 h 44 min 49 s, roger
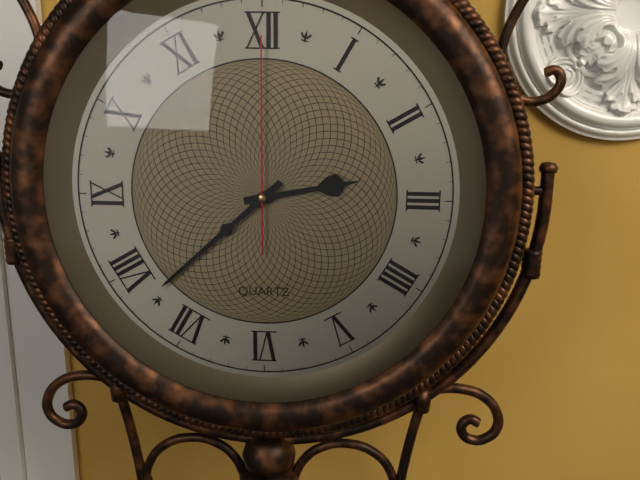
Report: 2 h 38 min 00 s
